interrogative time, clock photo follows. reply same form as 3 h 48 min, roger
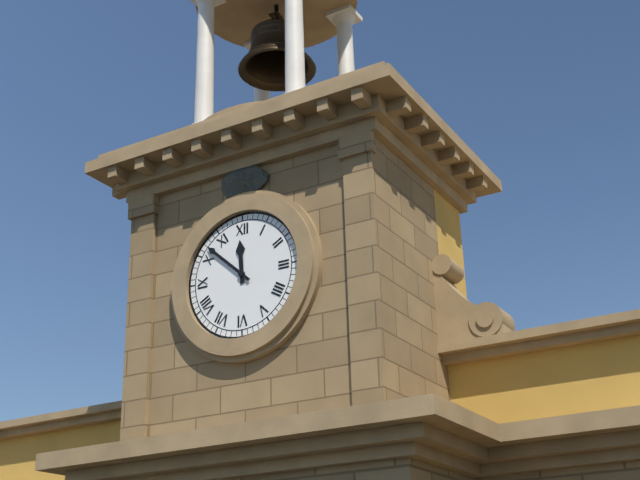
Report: 11 h 52 min
